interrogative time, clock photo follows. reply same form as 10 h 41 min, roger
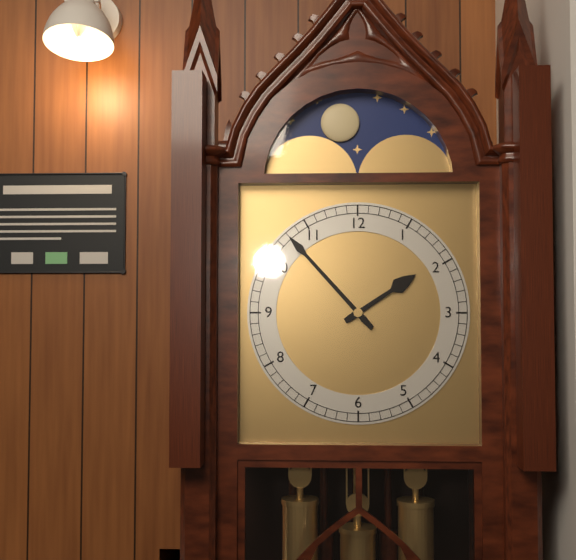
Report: 1 h 53 min
